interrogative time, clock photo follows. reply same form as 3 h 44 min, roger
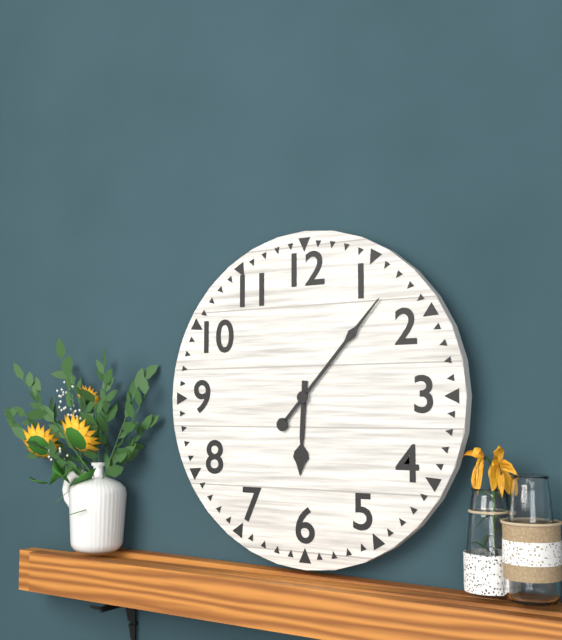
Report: 6 h 07 min
